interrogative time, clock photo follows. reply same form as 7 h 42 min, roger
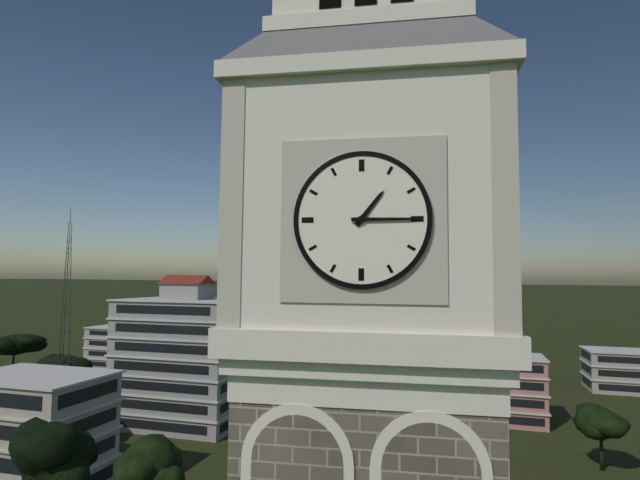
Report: 1 h 15 min
